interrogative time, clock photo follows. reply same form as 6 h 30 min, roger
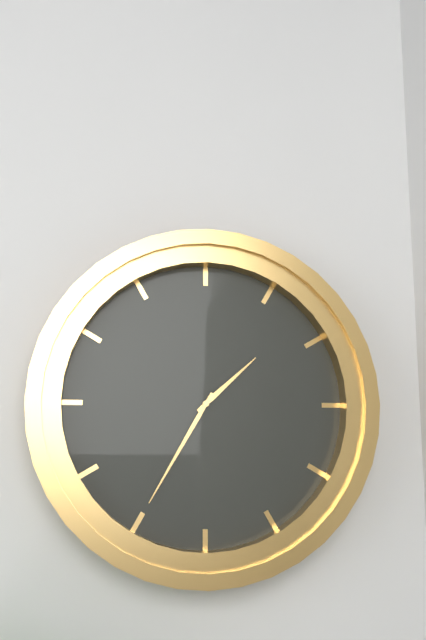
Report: 1 h 35 min
